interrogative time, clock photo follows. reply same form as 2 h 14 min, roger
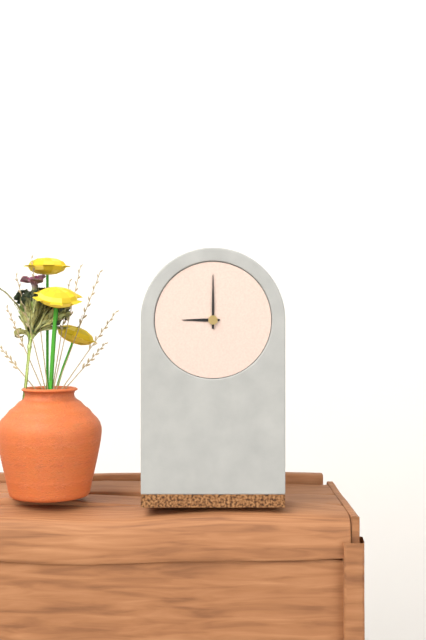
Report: 9 h 00 min
